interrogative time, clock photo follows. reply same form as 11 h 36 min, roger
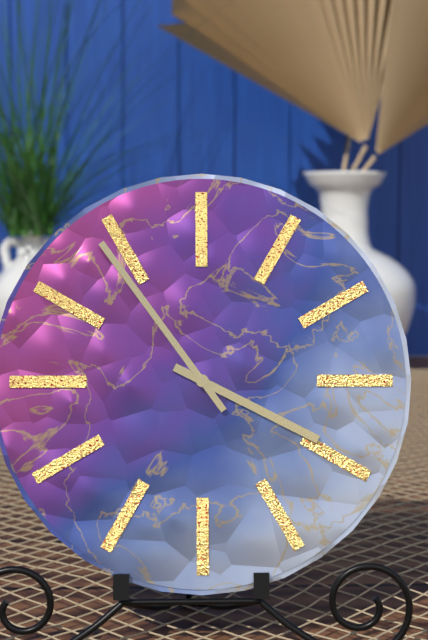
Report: 3 h 54 min
